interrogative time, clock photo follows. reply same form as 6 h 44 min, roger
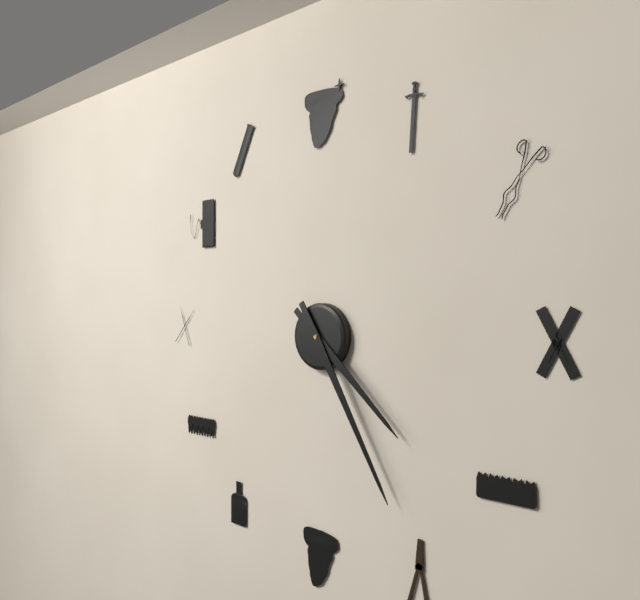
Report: 4 h 25 min
